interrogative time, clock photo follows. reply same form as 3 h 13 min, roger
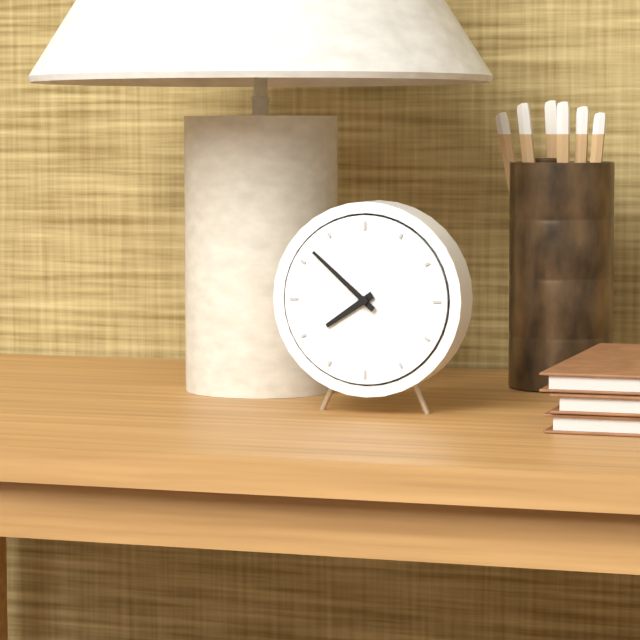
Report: 7 h 52 min
